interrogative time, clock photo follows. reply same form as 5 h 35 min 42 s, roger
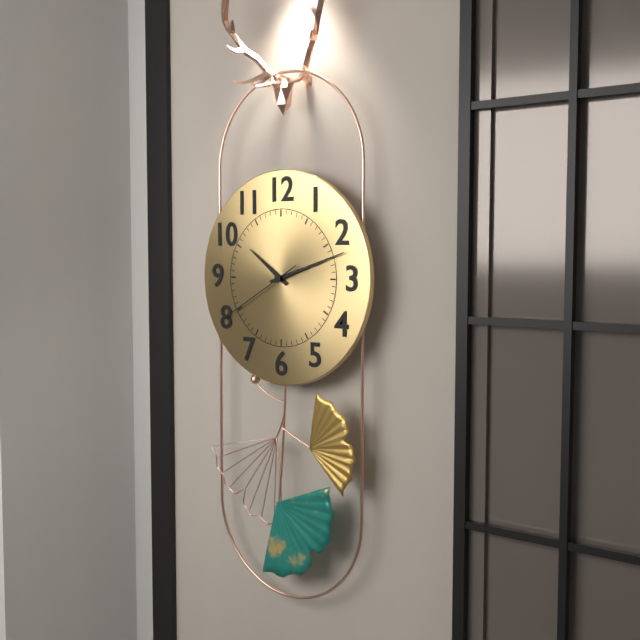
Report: 10 h 12 min 40 s
